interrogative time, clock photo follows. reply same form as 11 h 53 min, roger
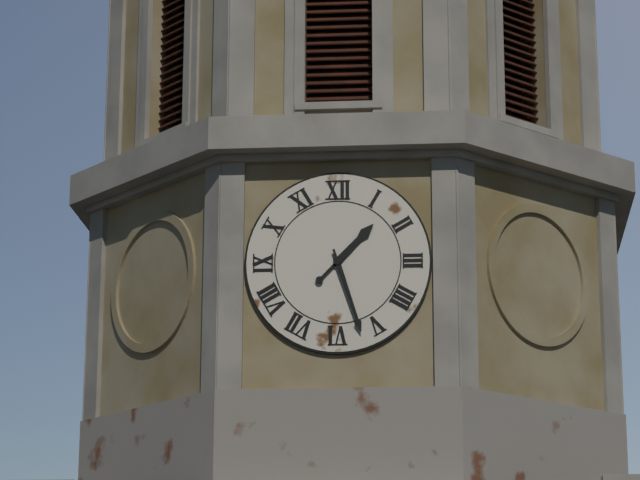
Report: 1 h 27 min
